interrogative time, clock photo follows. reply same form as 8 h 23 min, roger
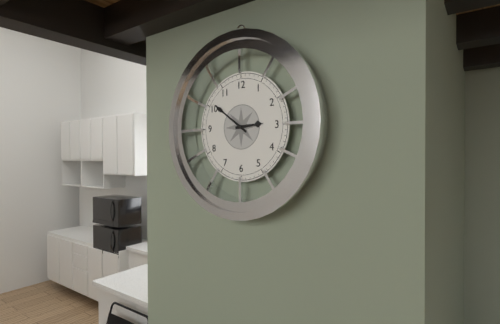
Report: 2 h 51 min
